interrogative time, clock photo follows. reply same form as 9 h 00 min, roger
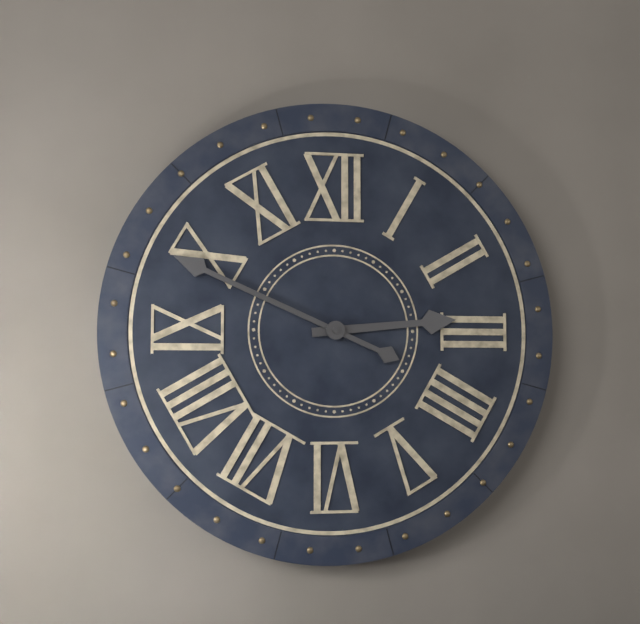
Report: 2 h 49 min
